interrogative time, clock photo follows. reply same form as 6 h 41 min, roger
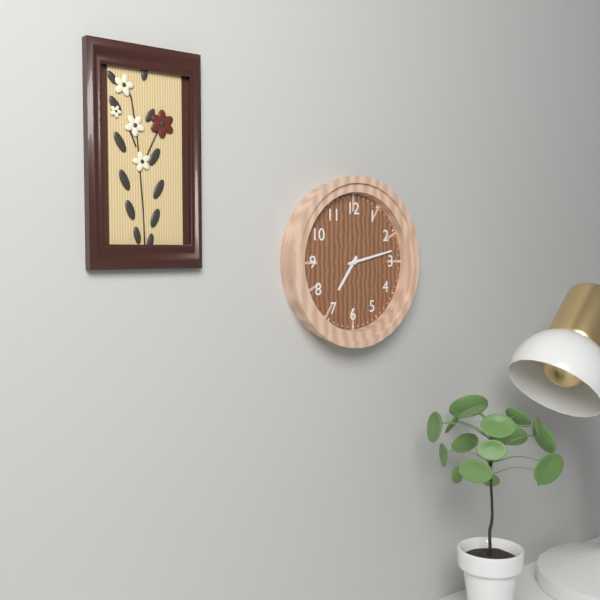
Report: 7 h 13 min
